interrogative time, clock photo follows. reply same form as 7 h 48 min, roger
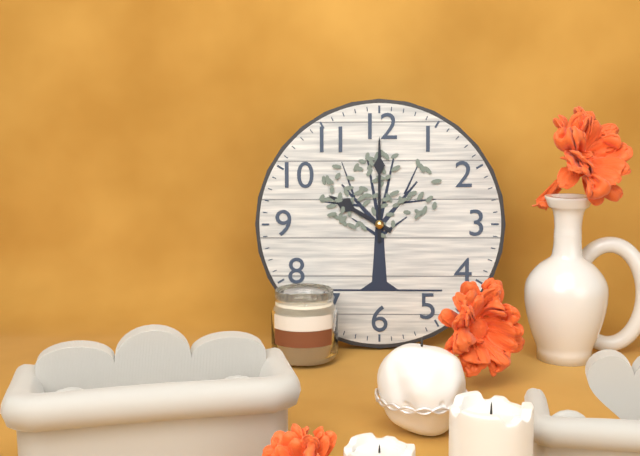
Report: 10 h 00 min
